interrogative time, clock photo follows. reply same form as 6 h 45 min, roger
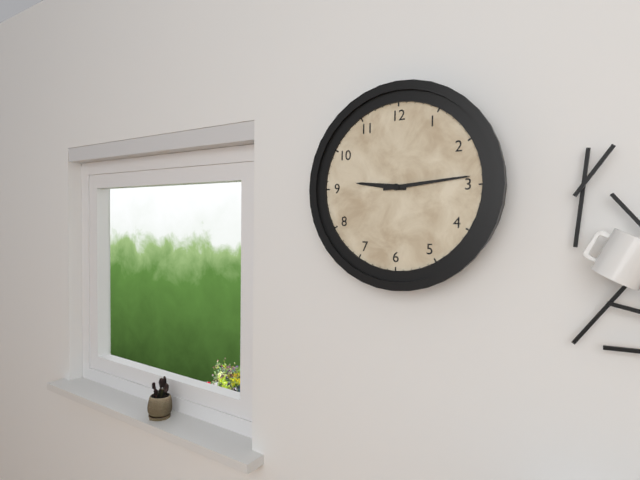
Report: 9 h 14 min
